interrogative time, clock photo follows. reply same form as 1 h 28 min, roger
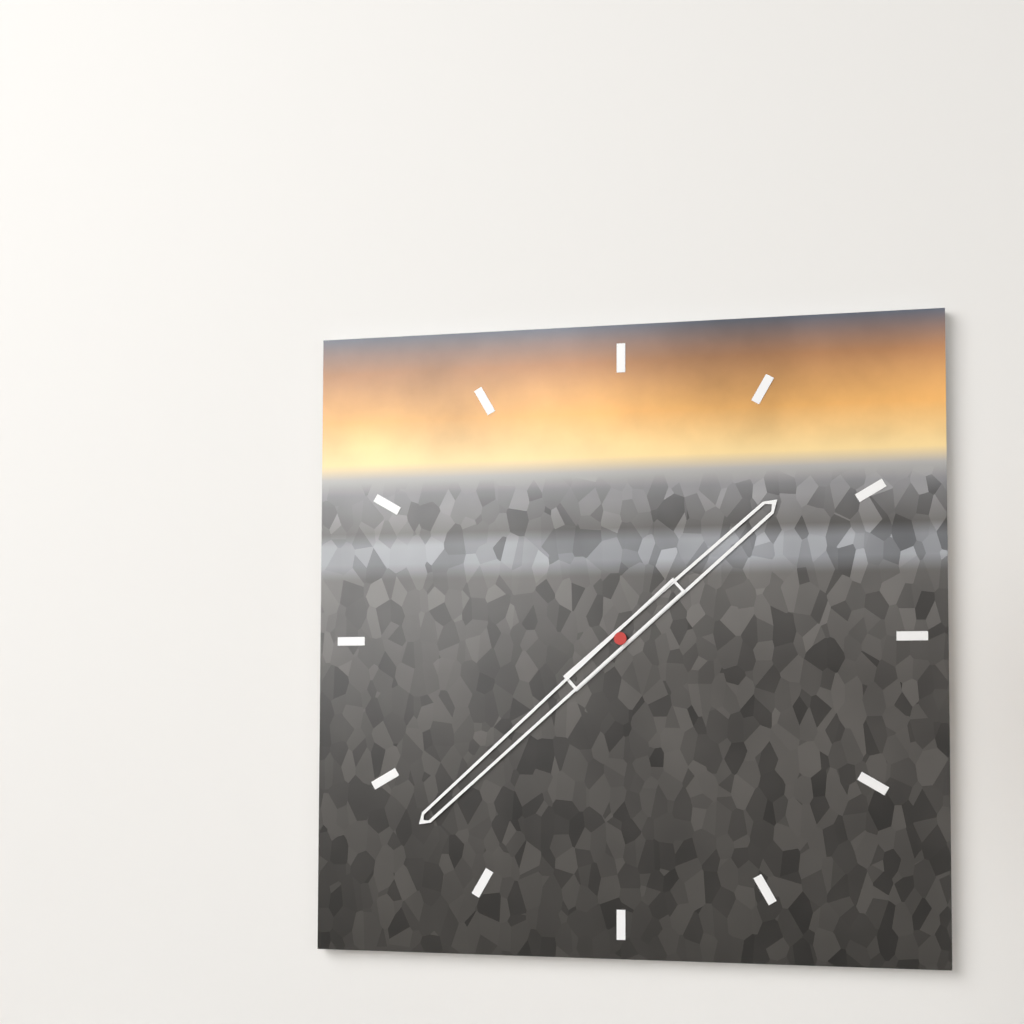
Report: 1 h 38 min
